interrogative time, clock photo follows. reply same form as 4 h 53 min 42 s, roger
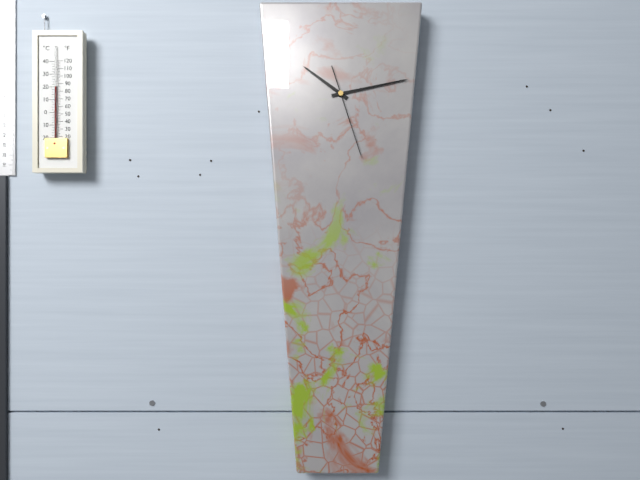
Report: 10 h 13 min 27 s
